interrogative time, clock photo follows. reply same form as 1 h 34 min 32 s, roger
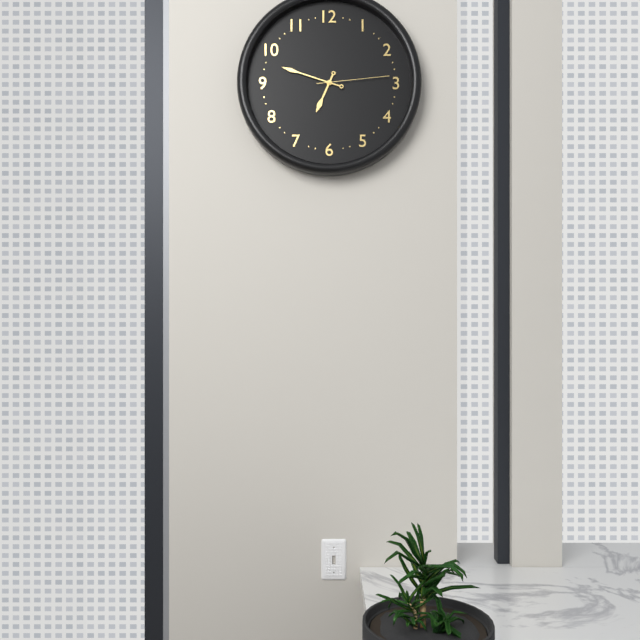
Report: 6 h 48 min 14 s
